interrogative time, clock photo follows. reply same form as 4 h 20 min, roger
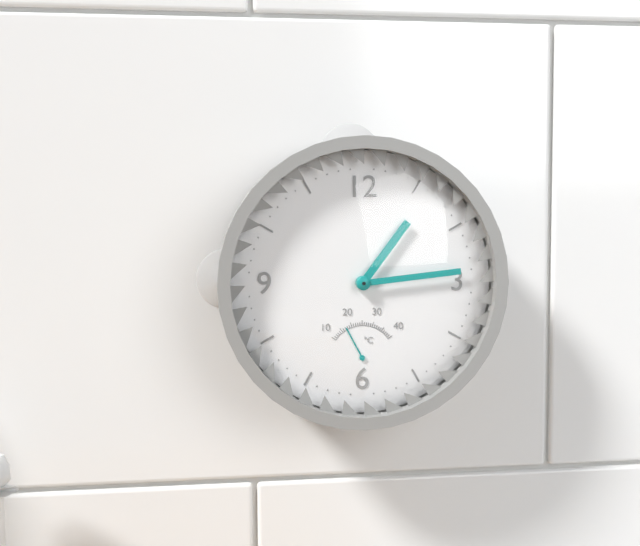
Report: 1 h 14 min
